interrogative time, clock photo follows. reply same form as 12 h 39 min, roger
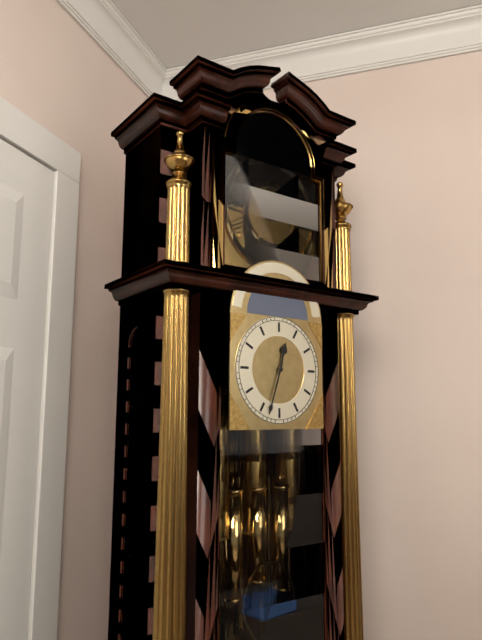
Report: 12 h 33 min
